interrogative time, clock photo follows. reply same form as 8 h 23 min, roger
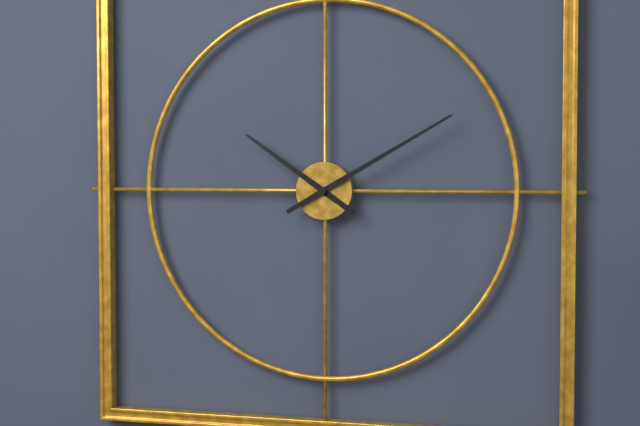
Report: 10 h 10 min
